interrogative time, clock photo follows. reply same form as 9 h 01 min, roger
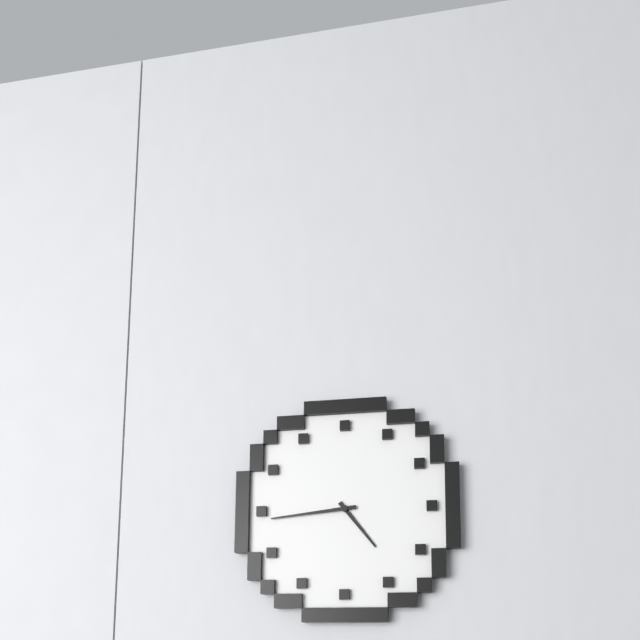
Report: 4 h 44 min
